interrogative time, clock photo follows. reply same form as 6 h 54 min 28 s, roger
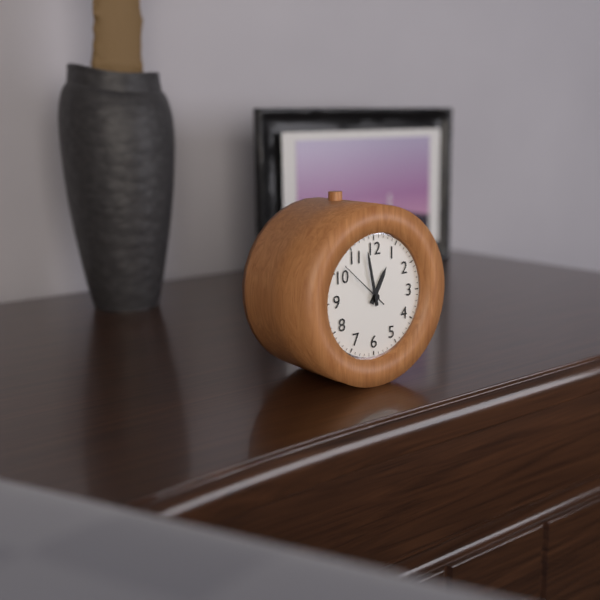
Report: 12 h 58 min 52 s
